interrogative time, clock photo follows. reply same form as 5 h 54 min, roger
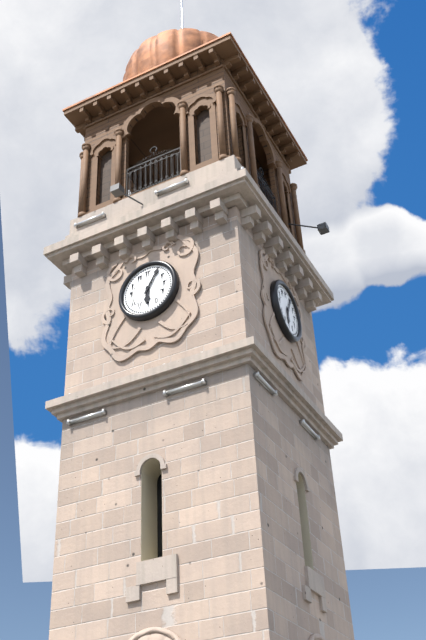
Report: 6 h 05 min
